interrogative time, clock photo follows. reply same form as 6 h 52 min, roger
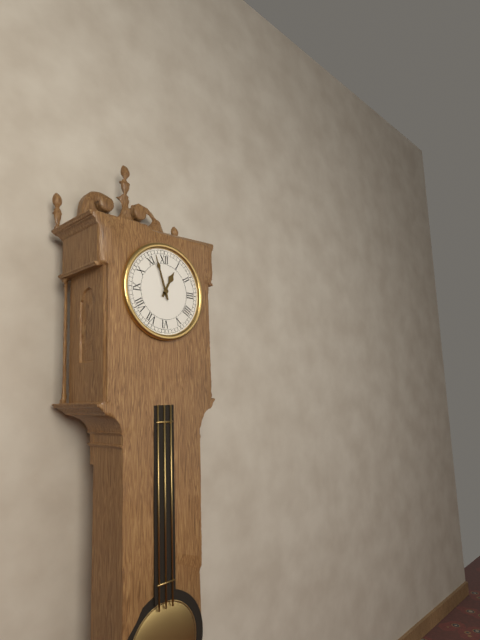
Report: 12 h 57 min
